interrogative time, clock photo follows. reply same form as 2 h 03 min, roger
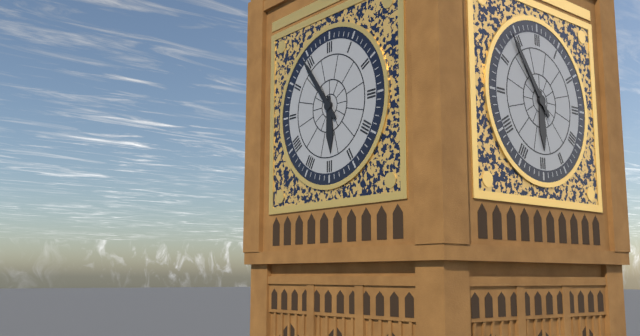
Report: 5 h 54 min
